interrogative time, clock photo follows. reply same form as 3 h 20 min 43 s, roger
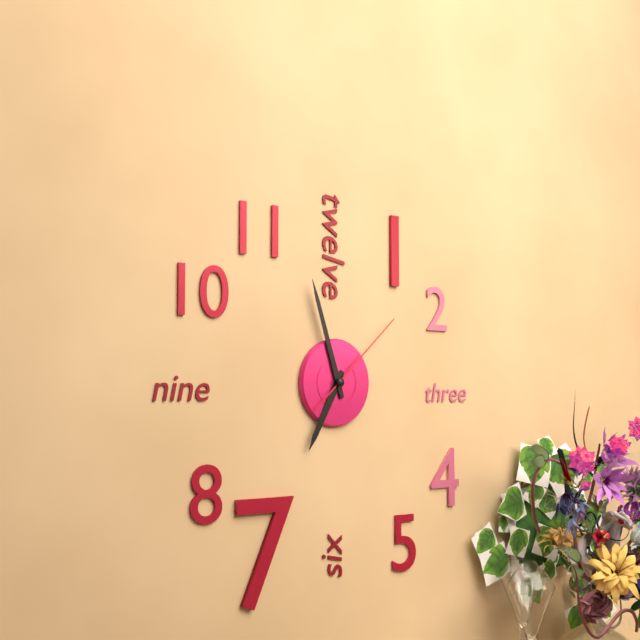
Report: 6 h 57 min 08 s
